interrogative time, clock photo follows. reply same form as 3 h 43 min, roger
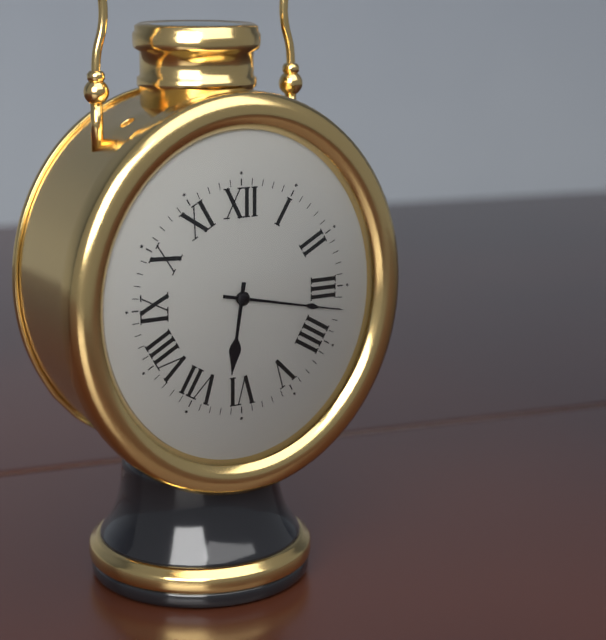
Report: 6 h 17 min
